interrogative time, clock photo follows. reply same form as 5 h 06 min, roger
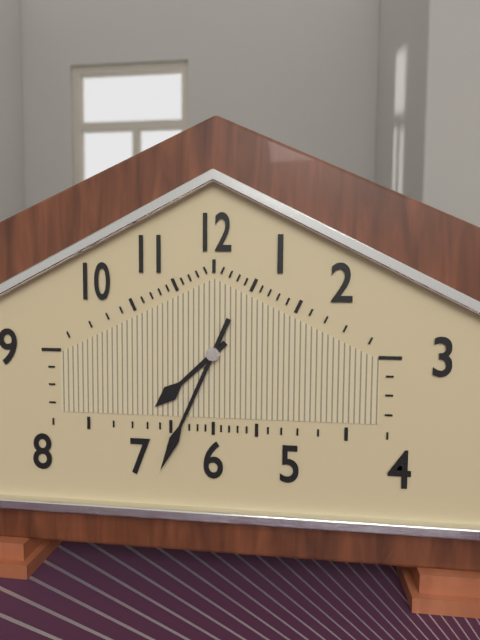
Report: 7 h 34 min
